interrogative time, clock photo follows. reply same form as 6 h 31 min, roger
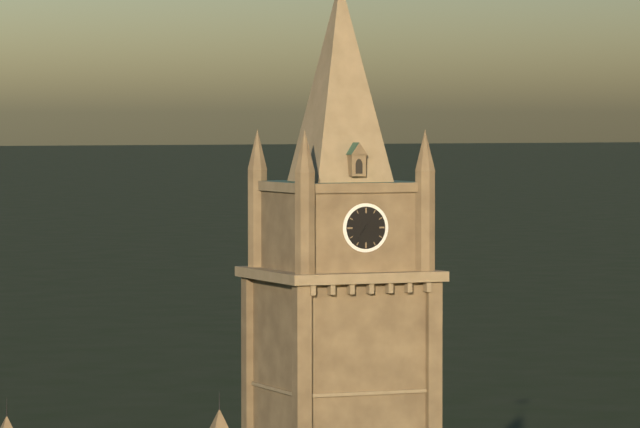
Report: 7 h 16 min
